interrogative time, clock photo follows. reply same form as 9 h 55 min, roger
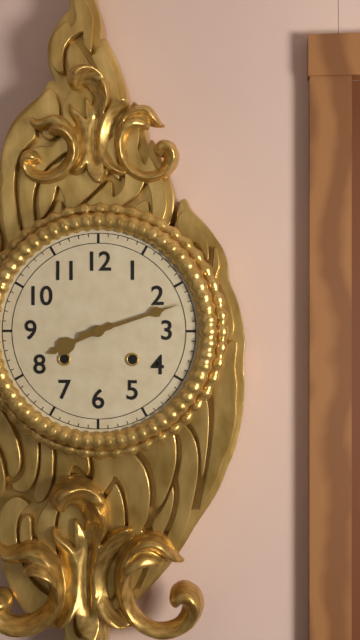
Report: 8 h 12 min
